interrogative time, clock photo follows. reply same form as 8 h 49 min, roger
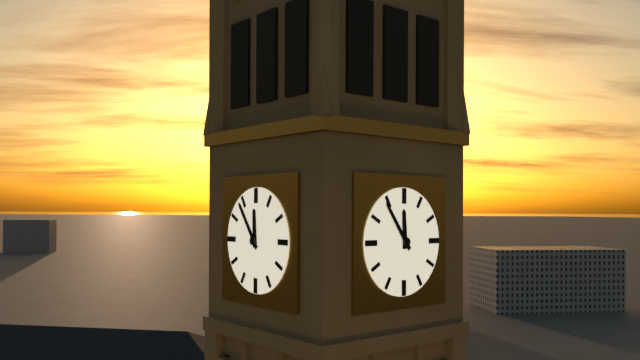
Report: 11 h 54 min
